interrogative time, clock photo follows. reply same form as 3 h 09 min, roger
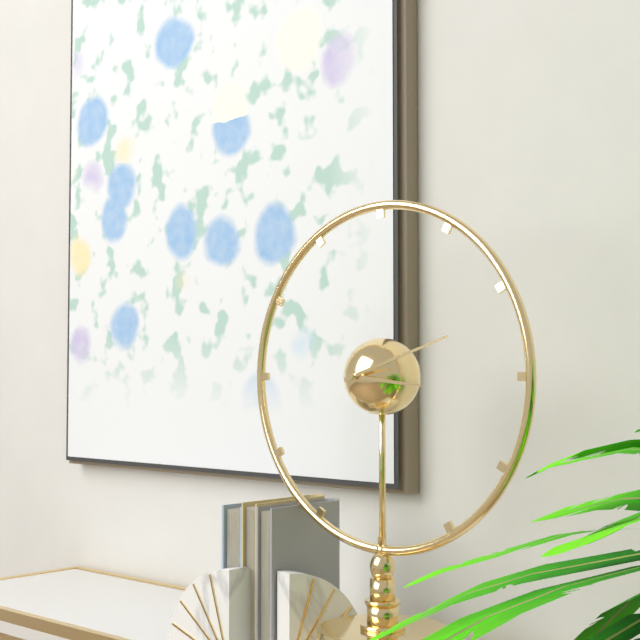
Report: 3 h 12 min
